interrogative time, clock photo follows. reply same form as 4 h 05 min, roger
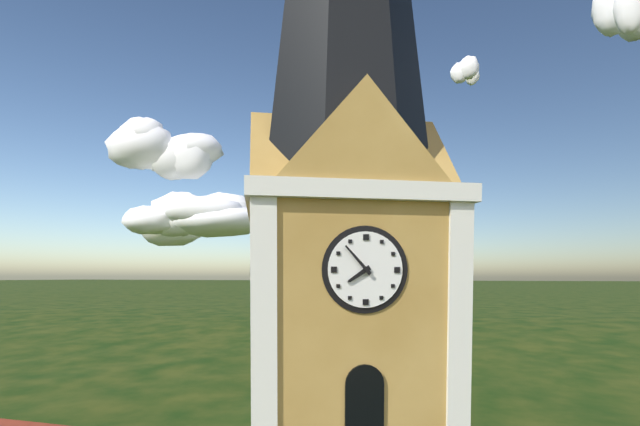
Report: 7 h 53 min
